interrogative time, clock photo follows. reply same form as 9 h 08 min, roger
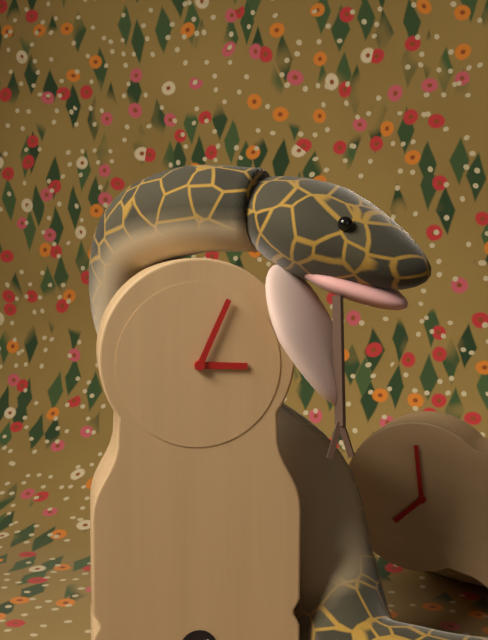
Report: 3 h 04 min
